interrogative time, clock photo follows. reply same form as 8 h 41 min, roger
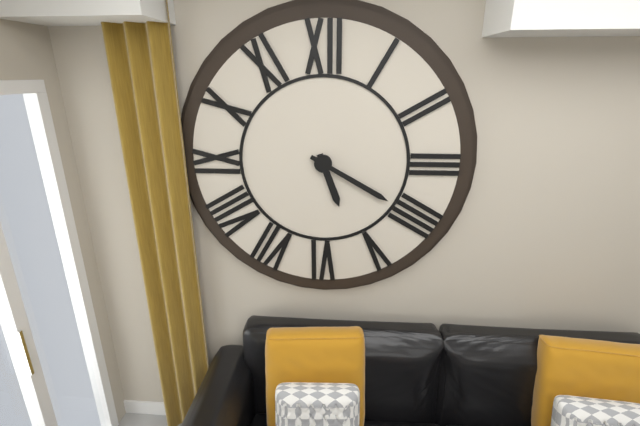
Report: 5 h 20 min
